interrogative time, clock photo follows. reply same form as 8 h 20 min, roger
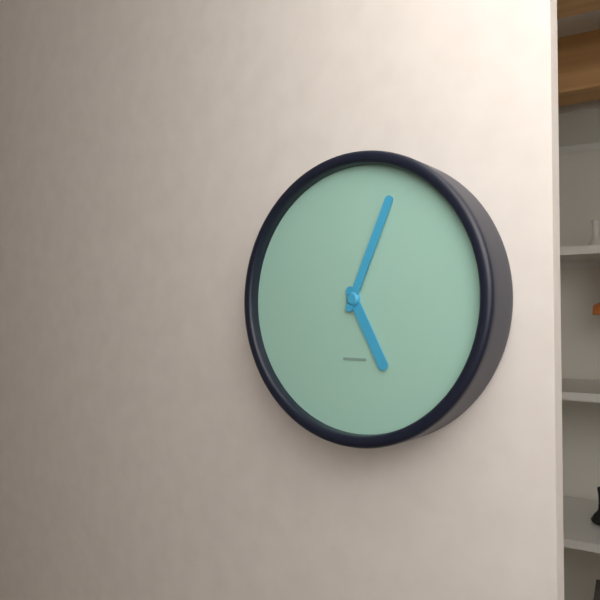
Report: 5 h 04 min
